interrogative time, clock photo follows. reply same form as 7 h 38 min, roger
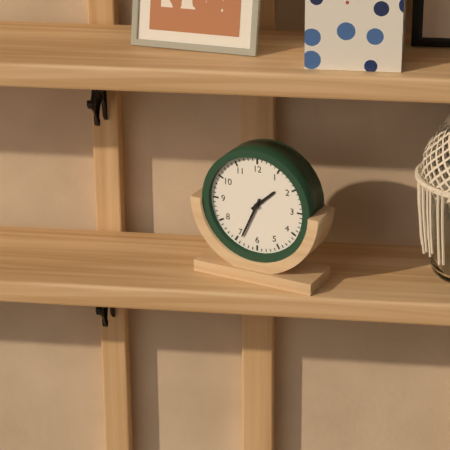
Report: 1 h 34 min
